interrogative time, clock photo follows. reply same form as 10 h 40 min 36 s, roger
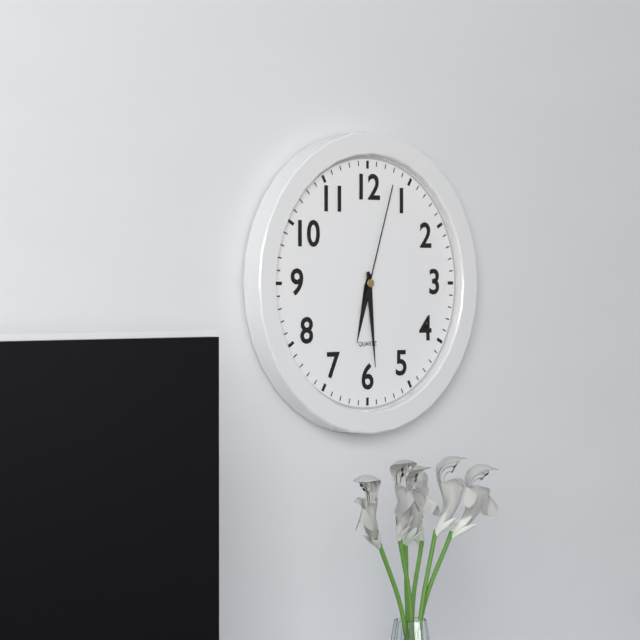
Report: 6 h 29 min 03 s
